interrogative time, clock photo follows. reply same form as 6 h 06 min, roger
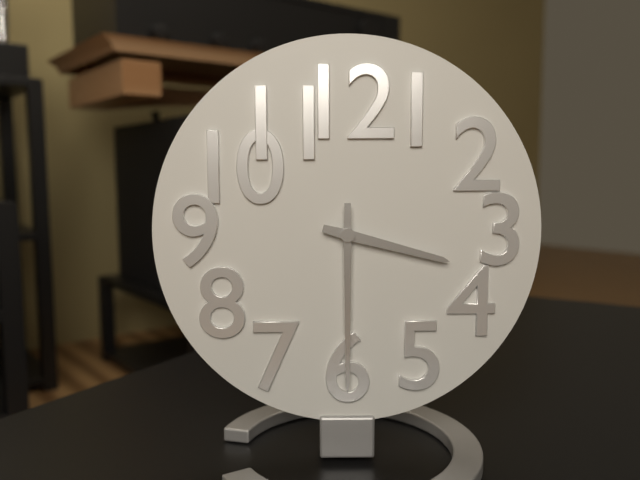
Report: 3 h 30 min
